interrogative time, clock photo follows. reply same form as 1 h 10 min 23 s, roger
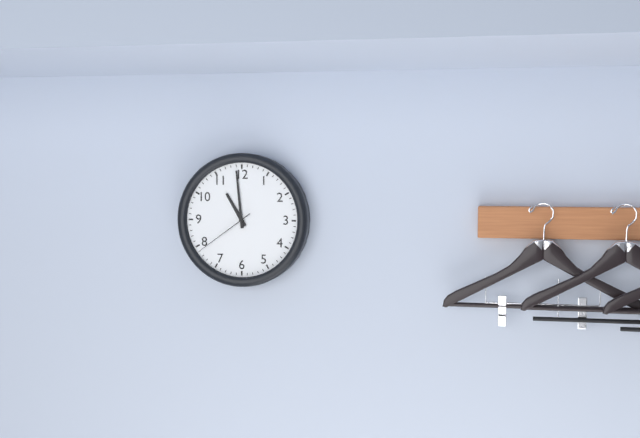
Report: 10 h 59 min 39 s
